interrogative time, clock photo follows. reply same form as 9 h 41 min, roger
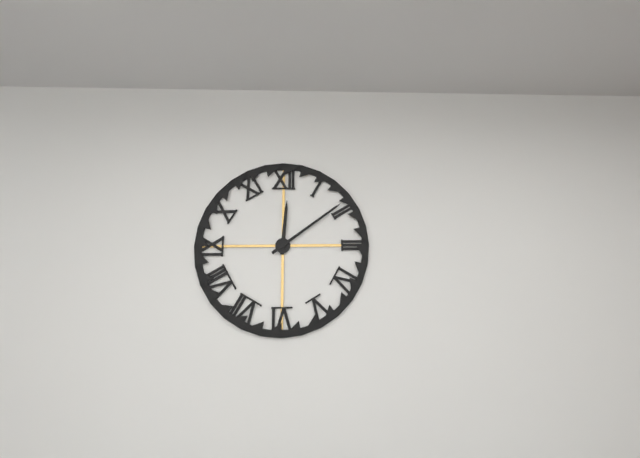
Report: 12 h 09 min
